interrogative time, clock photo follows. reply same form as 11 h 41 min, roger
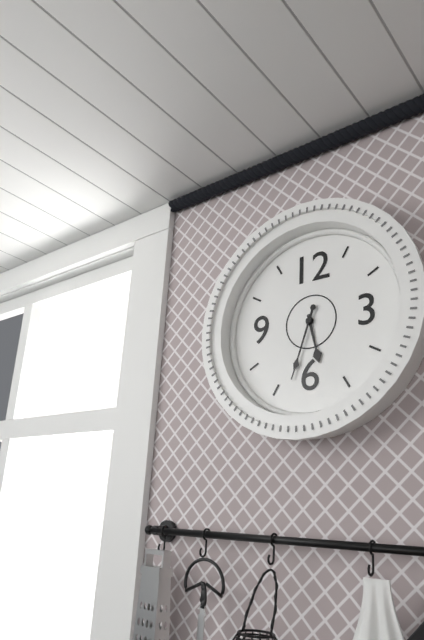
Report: 5 h 33 min
